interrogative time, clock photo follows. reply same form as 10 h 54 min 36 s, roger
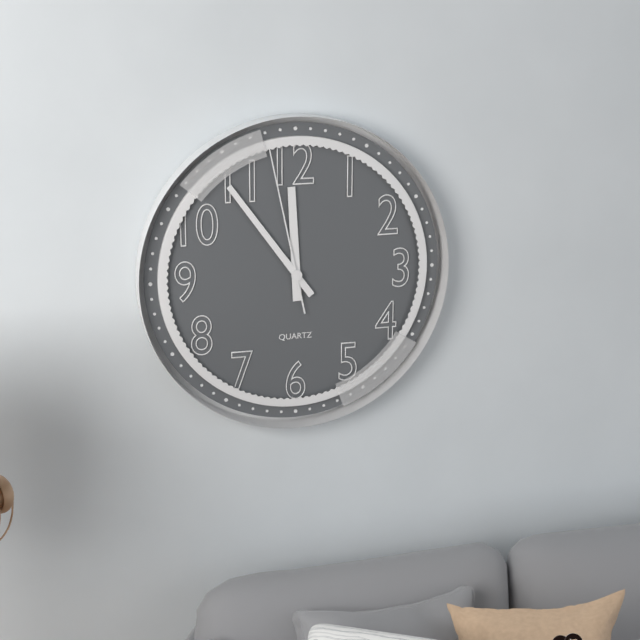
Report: 11 h 54 min 58 s
